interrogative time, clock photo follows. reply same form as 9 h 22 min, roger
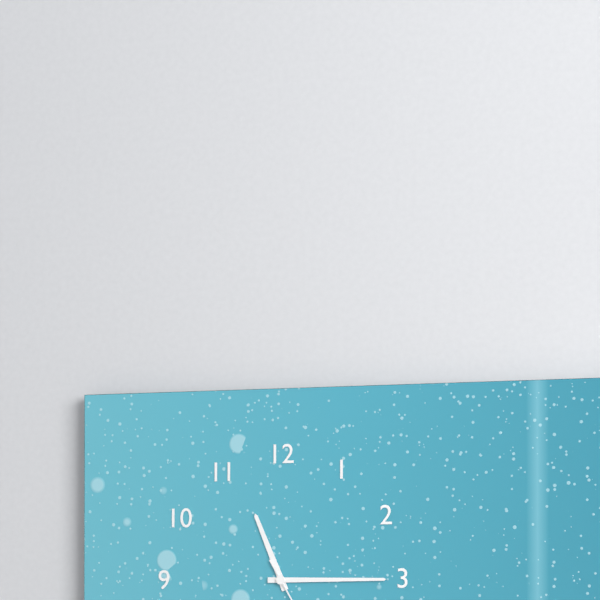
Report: 11 h 15 min
